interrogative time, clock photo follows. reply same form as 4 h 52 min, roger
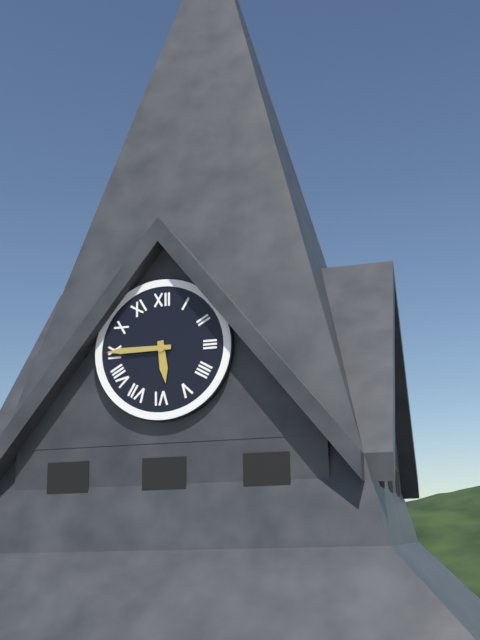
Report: 5 h 45 min
